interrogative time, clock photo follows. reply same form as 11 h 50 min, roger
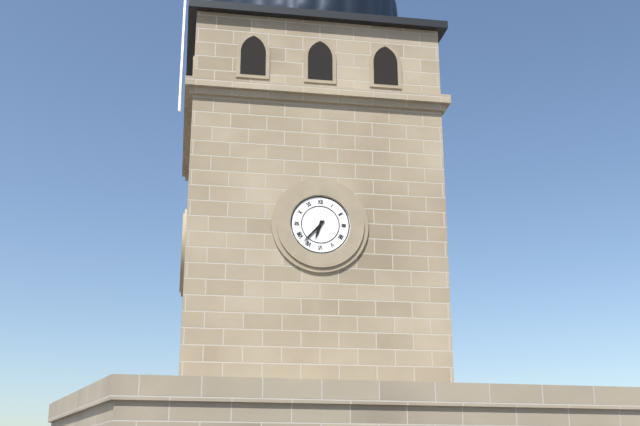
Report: 6 h 37 min
